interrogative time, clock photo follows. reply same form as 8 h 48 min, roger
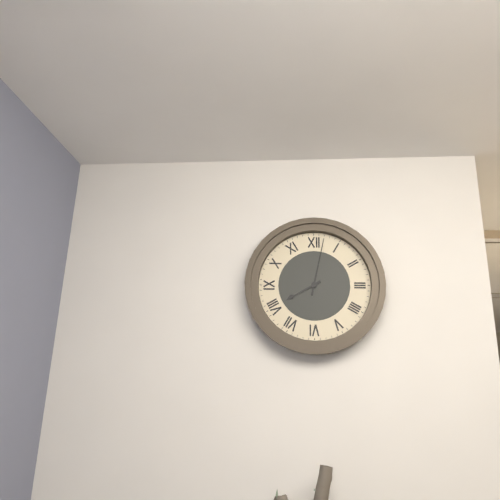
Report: 8 h 02 min
